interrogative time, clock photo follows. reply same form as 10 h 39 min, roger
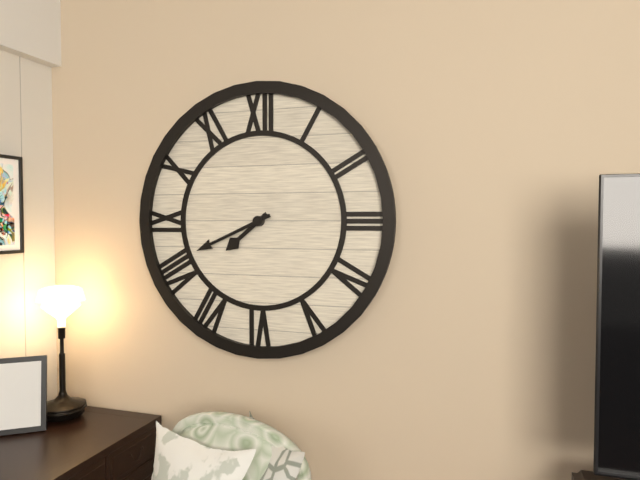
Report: 7 h 41 min
